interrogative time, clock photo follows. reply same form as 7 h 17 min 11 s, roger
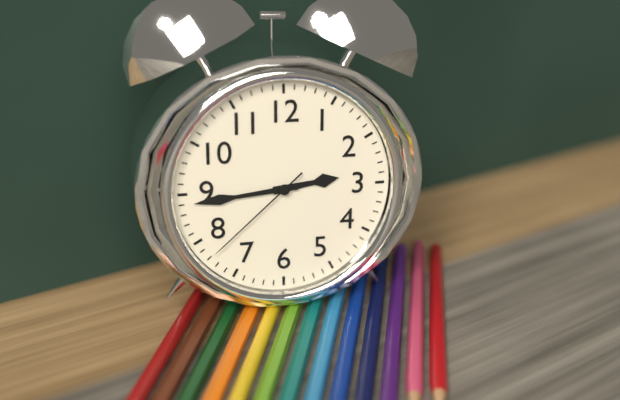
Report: 2 h 44 min 38 s
